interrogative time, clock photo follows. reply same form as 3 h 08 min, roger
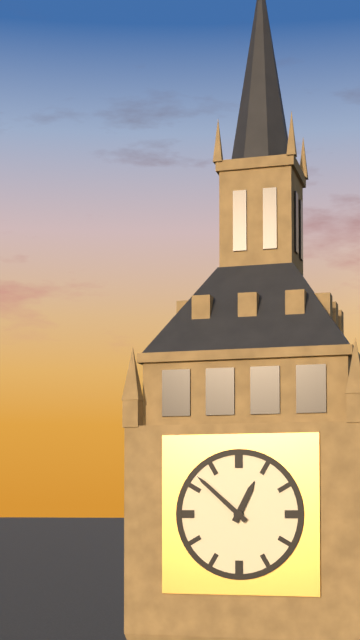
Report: 12 h 52 min
